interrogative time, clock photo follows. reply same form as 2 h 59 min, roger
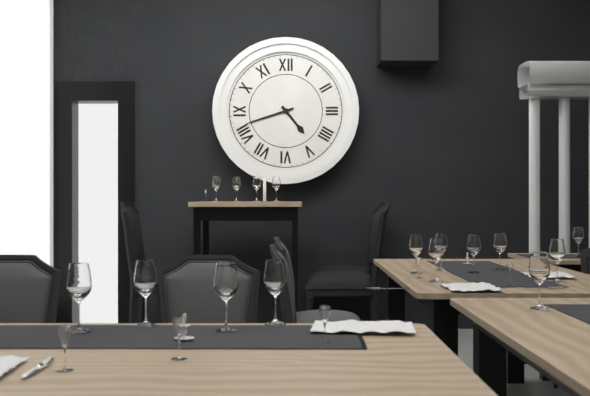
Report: 4 h 42 min
